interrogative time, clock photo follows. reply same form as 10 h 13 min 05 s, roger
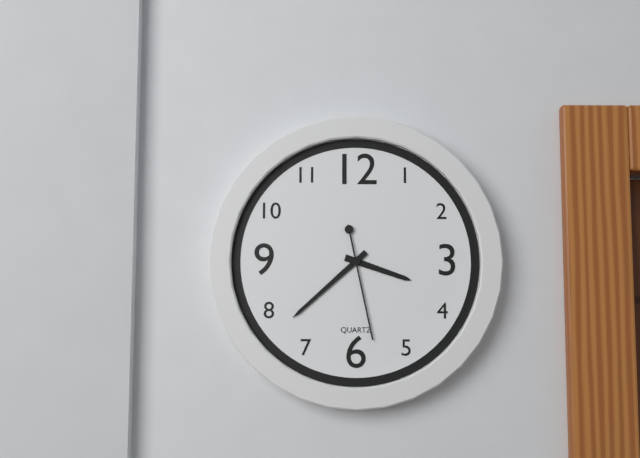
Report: 3 h 38 min 28 s
